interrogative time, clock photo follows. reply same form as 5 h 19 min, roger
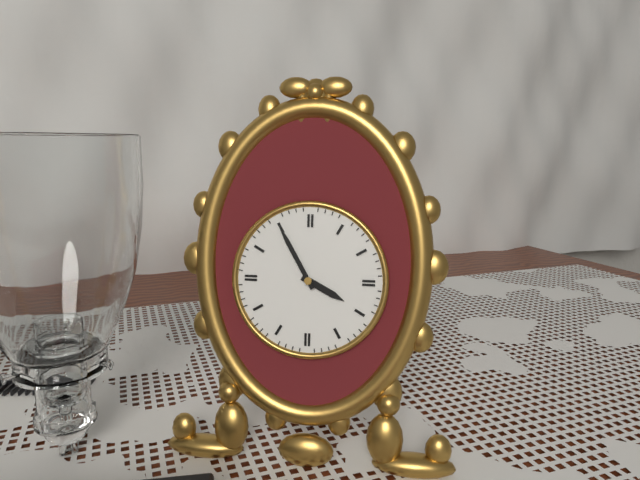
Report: 3 h 55 min
